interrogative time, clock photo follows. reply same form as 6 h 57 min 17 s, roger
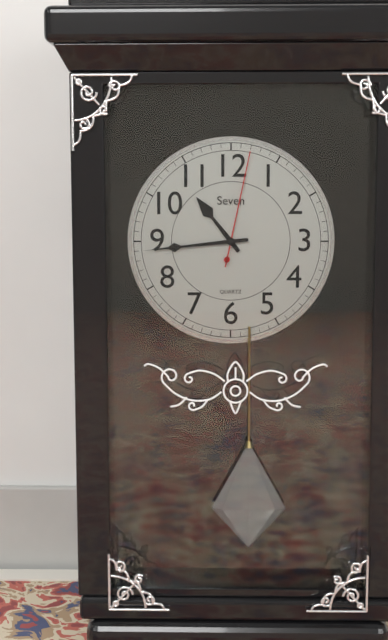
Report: 10 h 44 min 02 s
